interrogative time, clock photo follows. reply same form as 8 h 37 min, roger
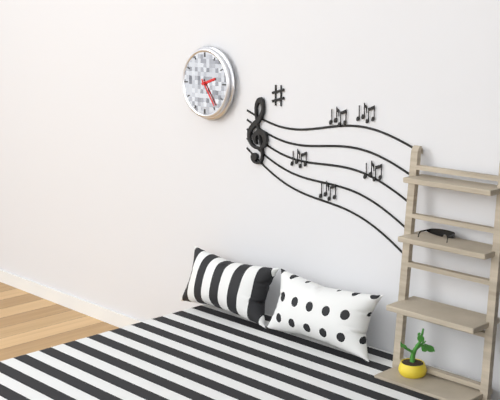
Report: 2 h 24 min
